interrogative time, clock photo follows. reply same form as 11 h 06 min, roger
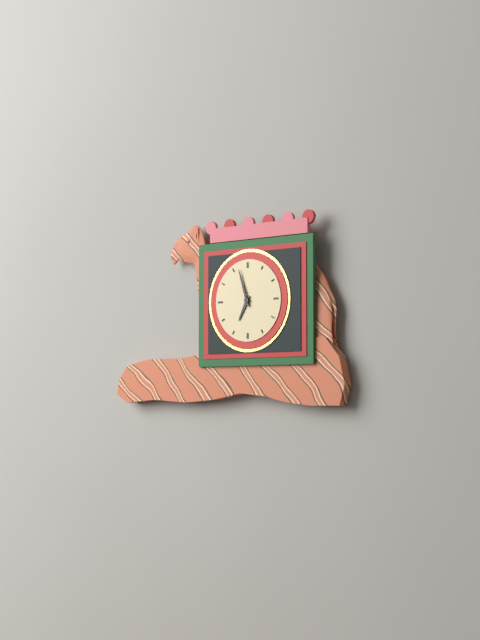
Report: 6 h 57 min
